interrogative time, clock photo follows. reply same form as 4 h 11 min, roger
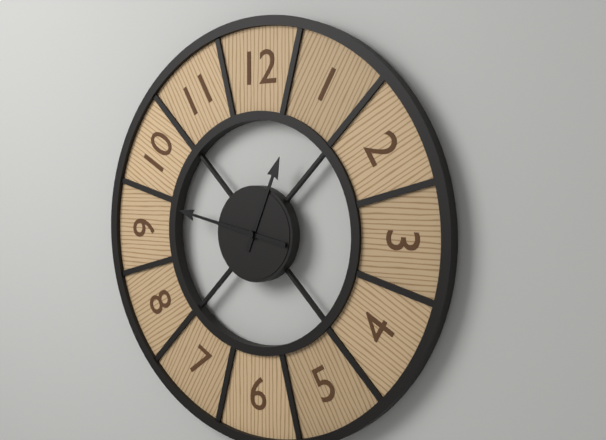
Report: 12 h 47 min
